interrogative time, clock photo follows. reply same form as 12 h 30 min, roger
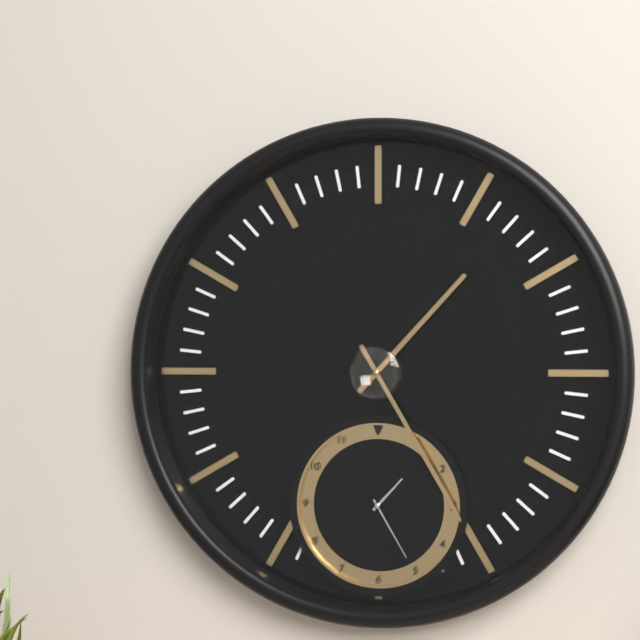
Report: 1 h 25 min
